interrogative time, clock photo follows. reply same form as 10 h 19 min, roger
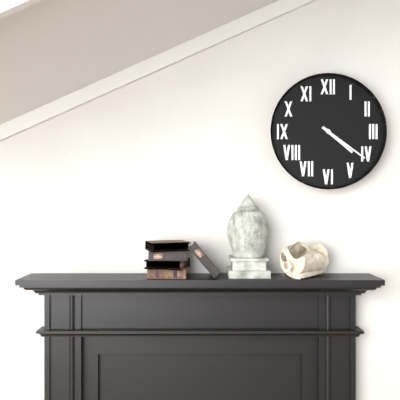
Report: 4 h 21 min
